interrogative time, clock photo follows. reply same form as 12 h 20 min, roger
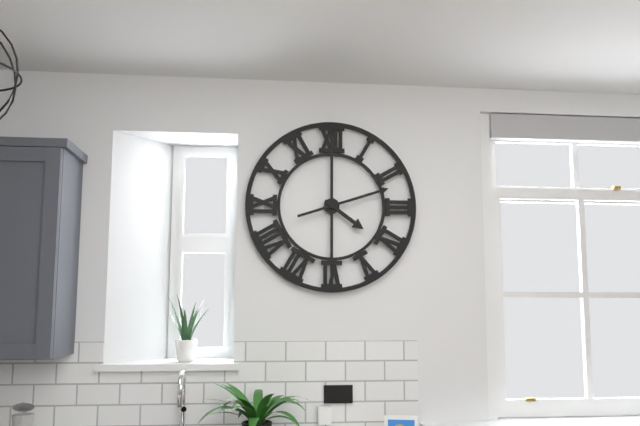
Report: 4 h 12 min
